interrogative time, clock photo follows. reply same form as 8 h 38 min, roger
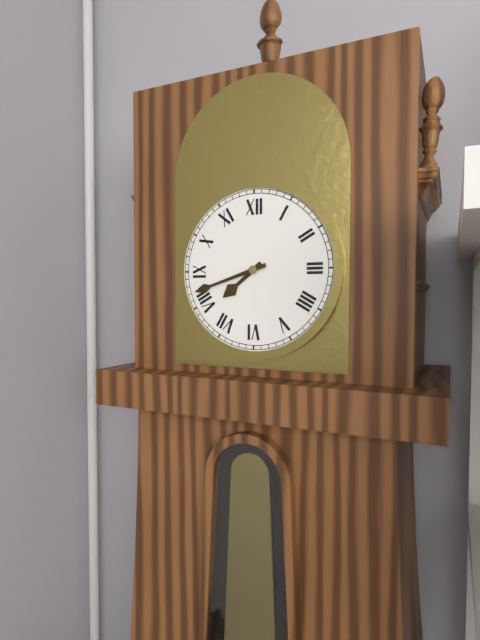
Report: 7 h 42 min
